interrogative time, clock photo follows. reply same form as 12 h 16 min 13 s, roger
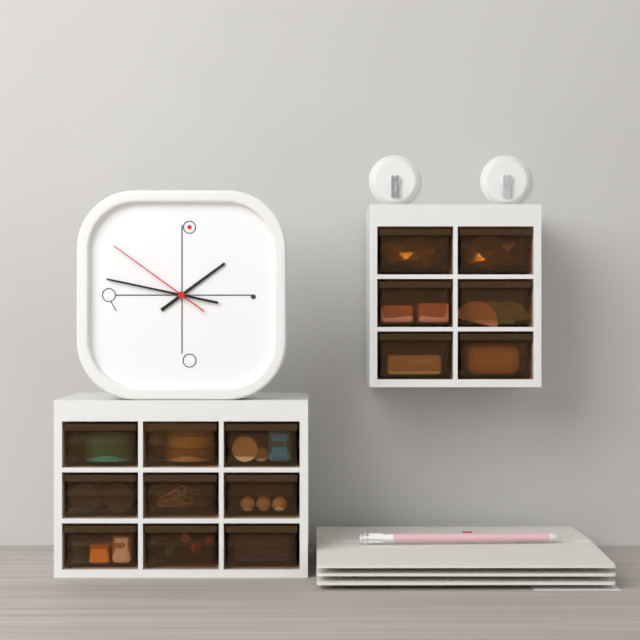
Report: 1 h 47 min 51 s
